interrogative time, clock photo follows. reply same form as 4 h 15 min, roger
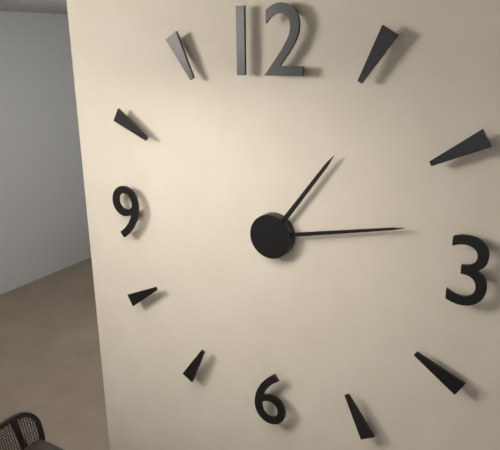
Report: 1 h 13 min
